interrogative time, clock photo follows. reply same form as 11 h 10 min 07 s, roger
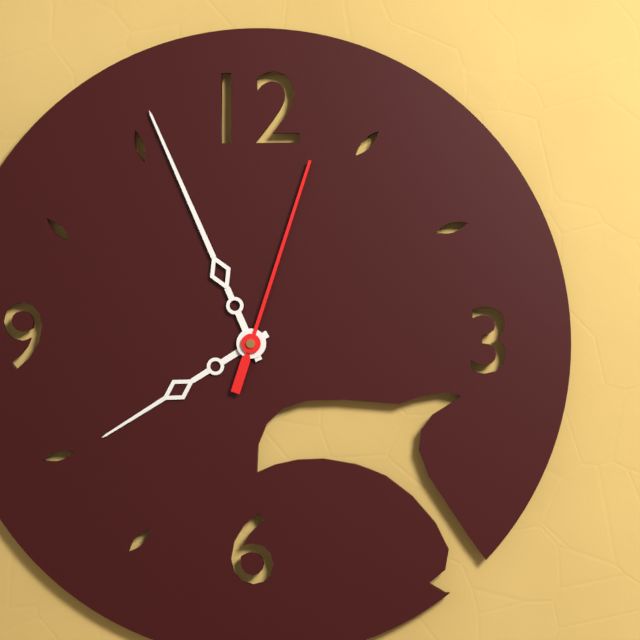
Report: 7 h 56 min 03 s
